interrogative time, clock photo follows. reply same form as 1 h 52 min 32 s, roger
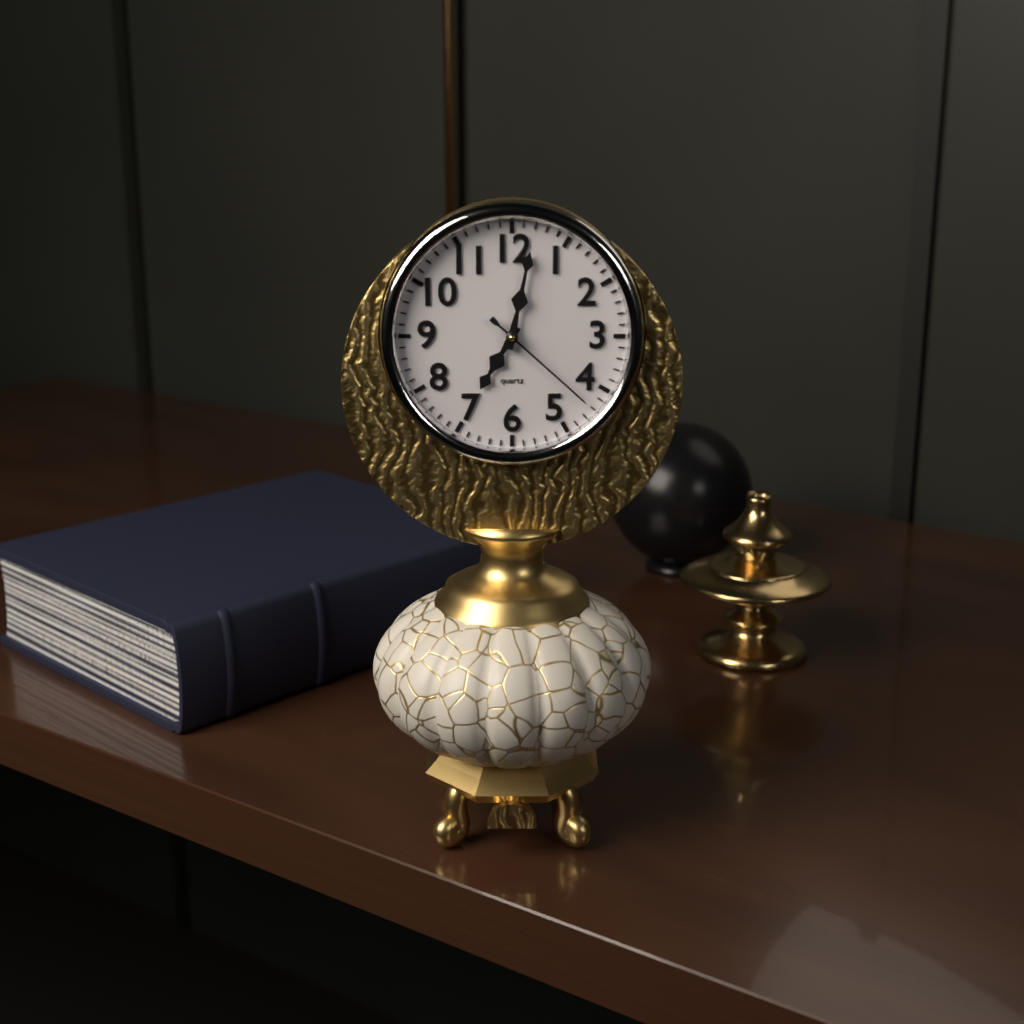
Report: 7 h 02 min 22 s
